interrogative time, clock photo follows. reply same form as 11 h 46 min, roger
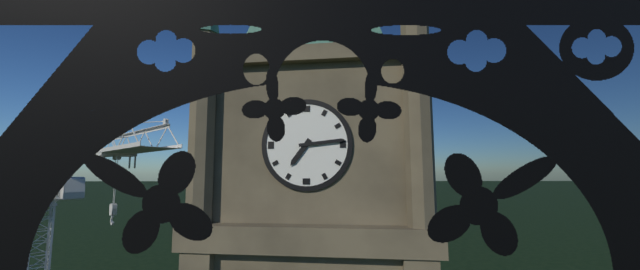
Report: 7 h 14 min
